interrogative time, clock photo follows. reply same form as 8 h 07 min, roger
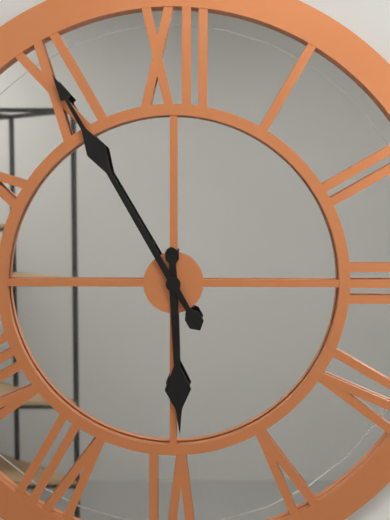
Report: 5 h 55 min
